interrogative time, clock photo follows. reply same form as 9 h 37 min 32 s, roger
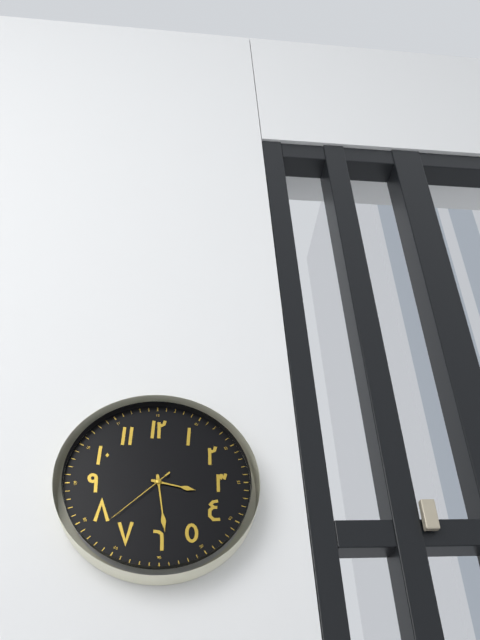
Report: 3 h 29 min 38 s
